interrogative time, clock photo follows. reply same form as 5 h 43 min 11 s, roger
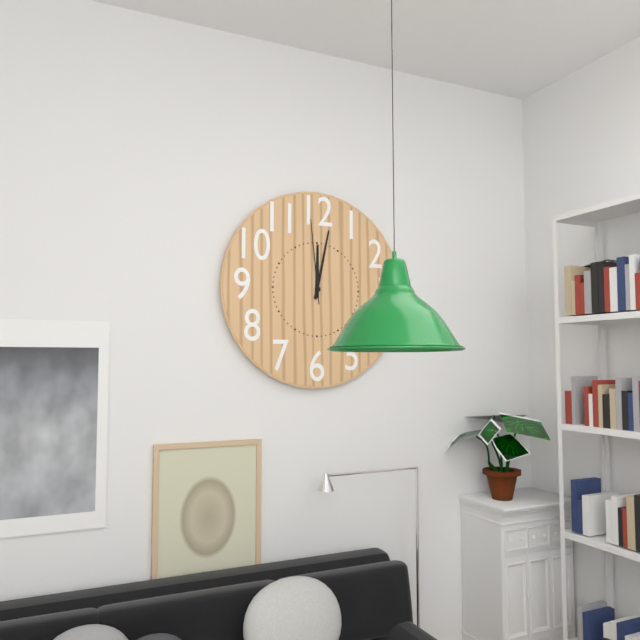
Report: 12 h 02 min 59 s
